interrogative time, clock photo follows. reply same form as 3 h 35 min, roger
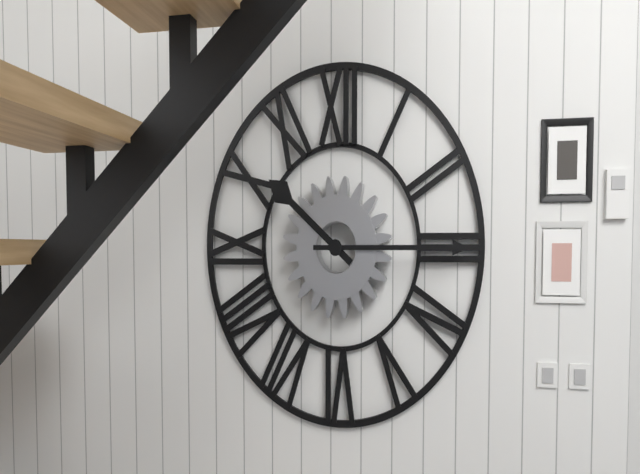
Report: 10 h 15 min
